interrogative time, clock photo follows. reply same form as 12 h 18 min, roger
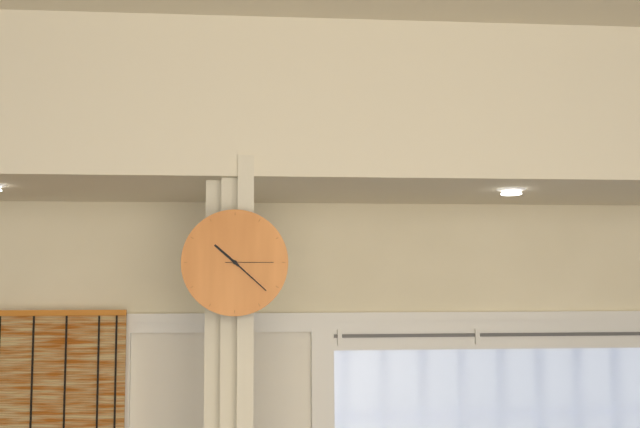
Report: 10 h 22 min
